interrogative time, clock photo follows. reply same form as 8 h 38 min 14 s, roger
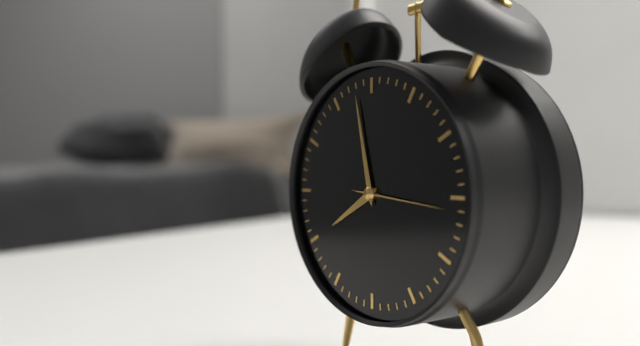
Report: 7 h 58 min 16 s
